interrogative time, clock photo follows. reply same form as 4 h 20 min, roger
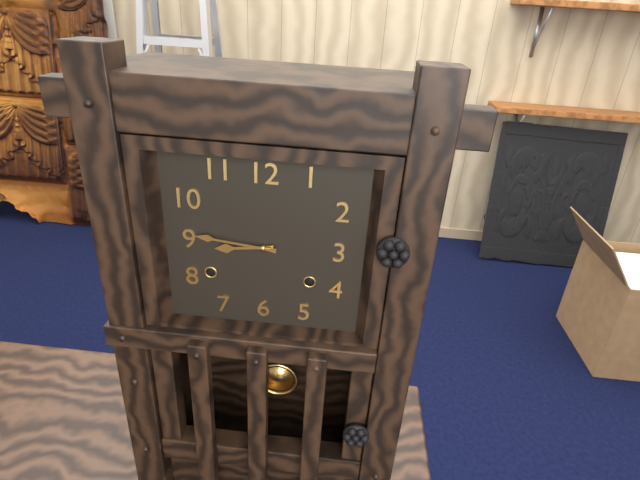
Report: 8 h 46 min
